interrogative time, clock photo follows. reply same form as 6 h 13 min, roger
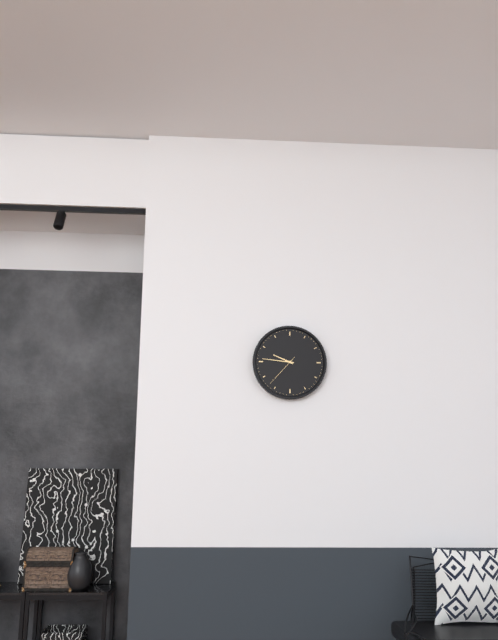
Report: 9 h 46 min
